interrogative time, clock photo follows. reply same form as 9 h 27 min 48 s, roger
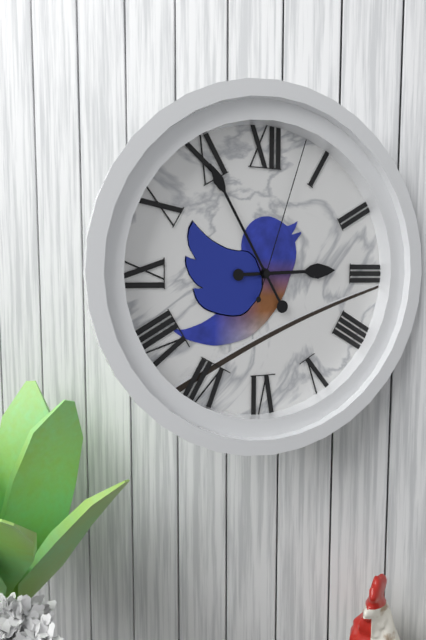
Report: 2 h 55 min 03 s
